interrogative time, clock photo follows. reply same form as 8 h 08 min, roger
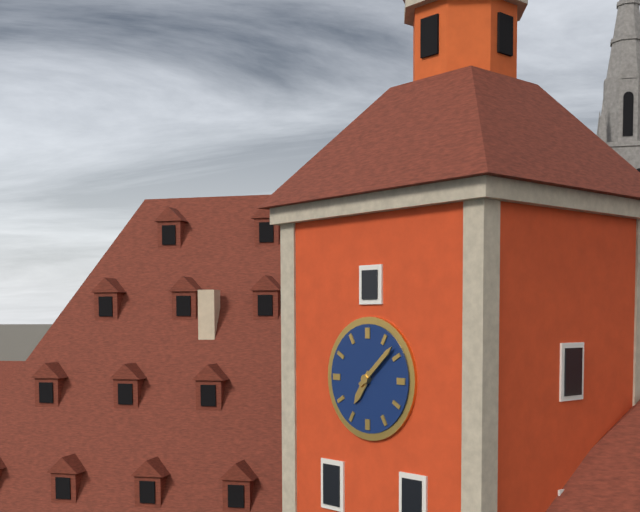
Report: 7 h 08 min
